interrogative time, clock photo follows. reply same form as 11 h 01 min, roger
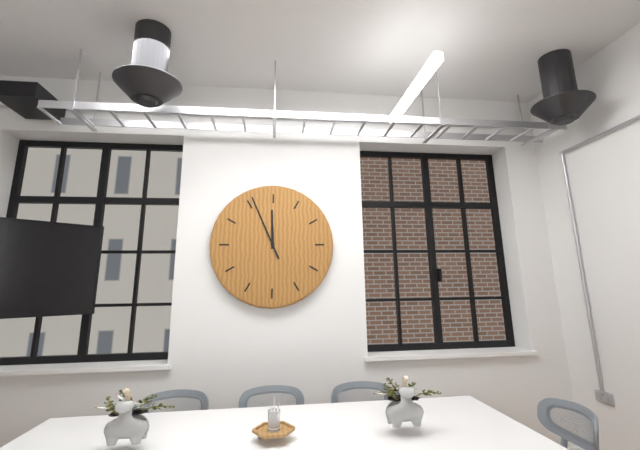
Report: 11 h 56 min
